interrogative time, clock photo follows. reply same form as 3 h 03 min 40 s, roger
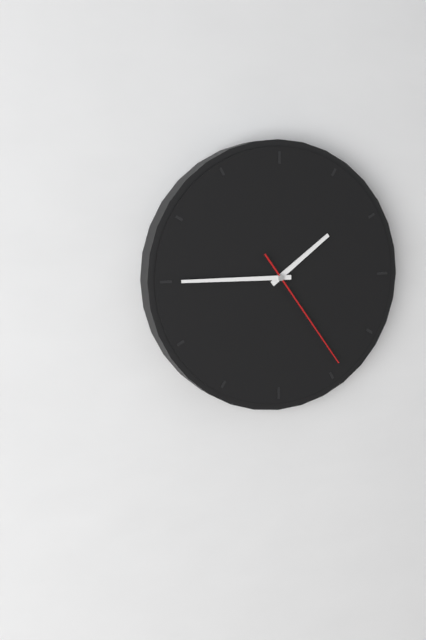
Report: 1 h 45 min 24 s
